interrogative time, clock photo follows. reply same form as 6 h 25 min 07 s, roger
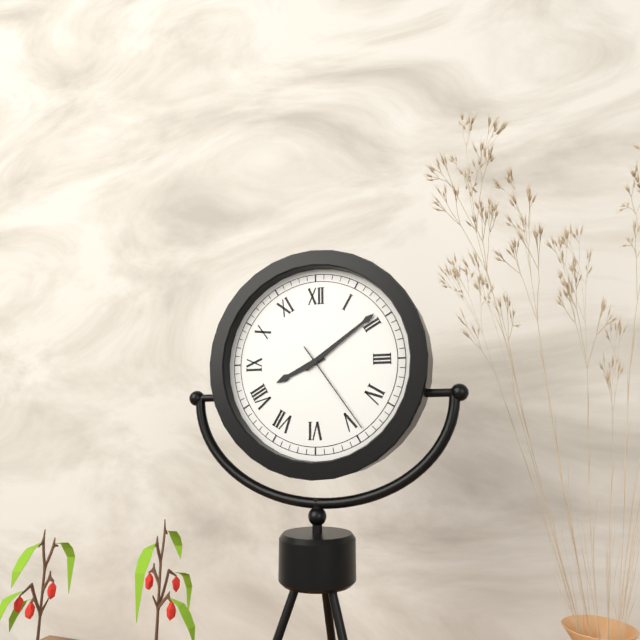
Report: 8 h 09 min 24 s
